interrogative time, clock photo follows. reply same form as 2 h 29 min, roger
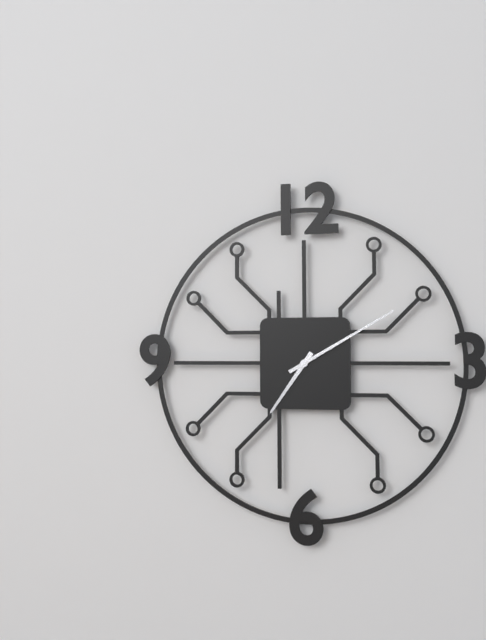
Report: 7 h 10 min
